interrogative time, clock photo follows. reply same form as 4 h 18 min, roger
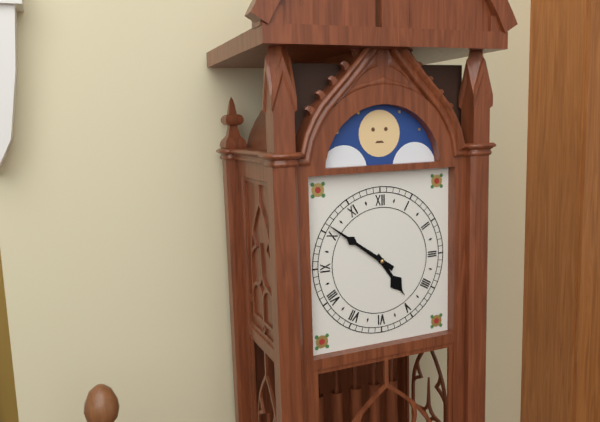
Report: 4 h 51 min
